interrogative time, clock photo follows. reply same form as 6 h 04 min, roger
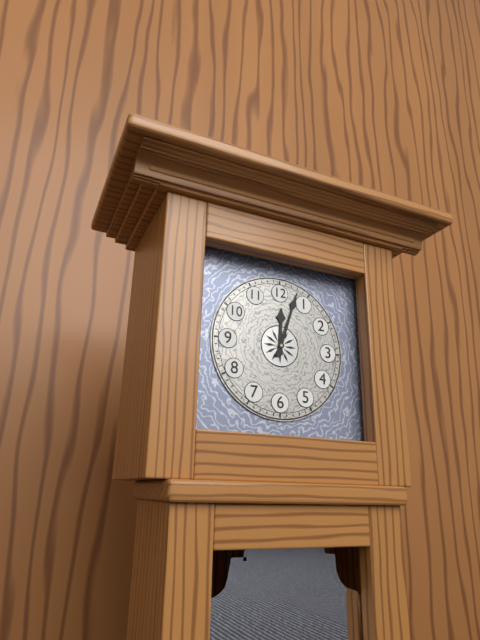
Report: 12 h 03 min
